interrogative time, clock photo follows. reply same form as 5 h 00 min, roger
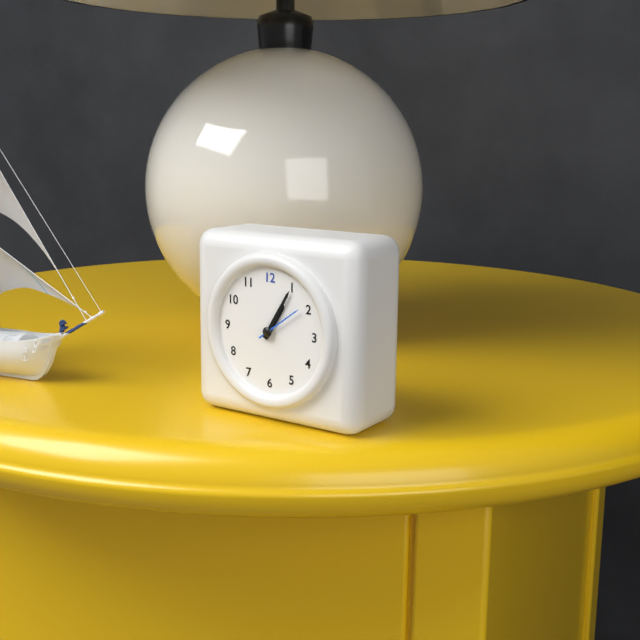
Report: 1 h 05 min
